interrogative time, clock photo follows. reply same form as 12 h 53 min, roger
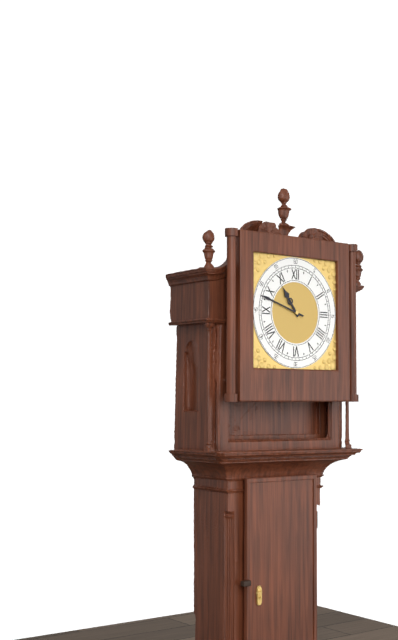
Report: 10 h 48 min
